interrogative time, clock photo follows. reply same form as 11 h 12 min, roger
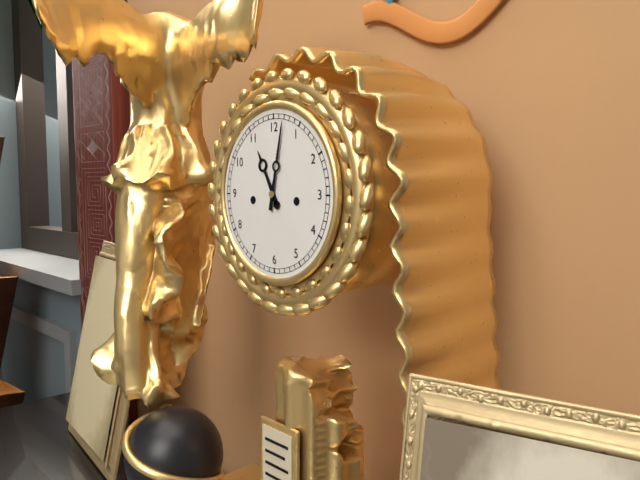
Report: 11 h 02 min
